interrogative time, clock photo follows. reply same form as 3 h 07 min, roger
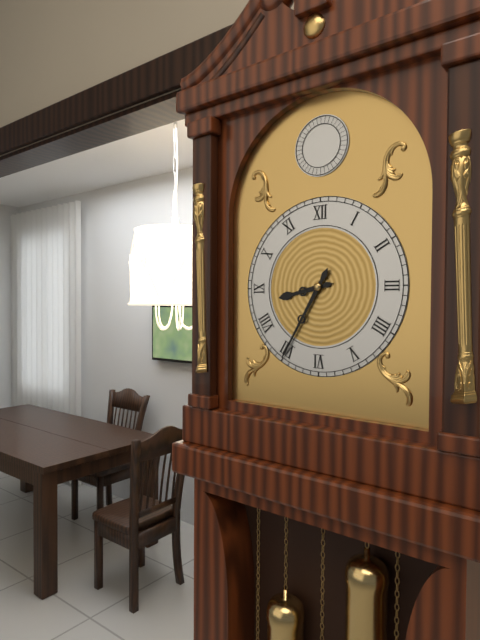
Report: 8 h 35 min
